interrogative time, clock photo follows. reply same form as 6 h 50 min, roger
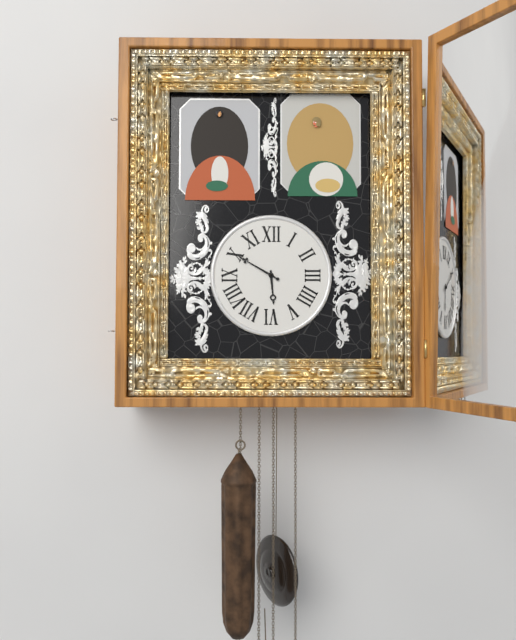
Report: 5 h 50 min
